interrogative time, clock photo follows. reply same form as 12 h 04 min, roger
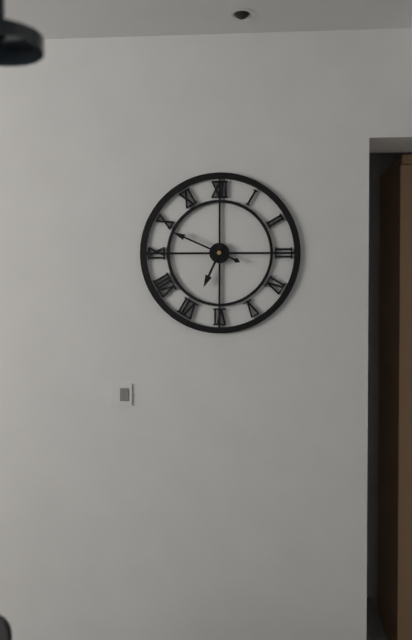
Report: 6 h 49 min
